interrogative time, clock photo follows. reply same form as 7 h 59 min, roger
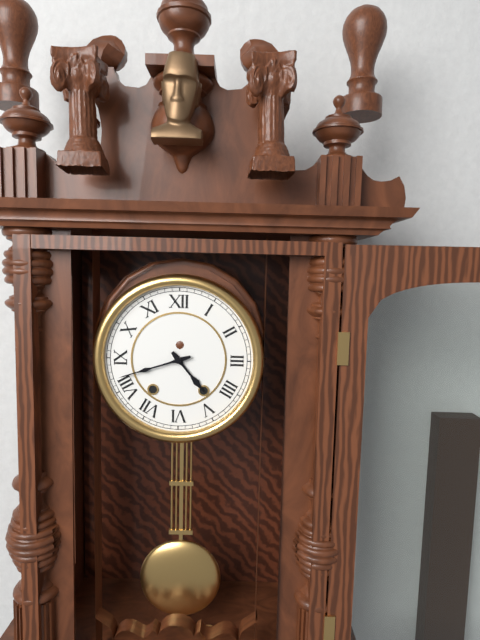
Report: 4 h 42 min
